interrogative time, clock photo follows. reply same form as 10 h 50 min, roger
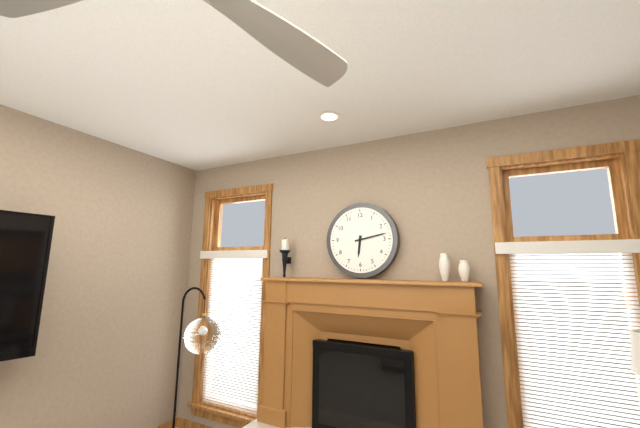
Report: 6 h 13 min
